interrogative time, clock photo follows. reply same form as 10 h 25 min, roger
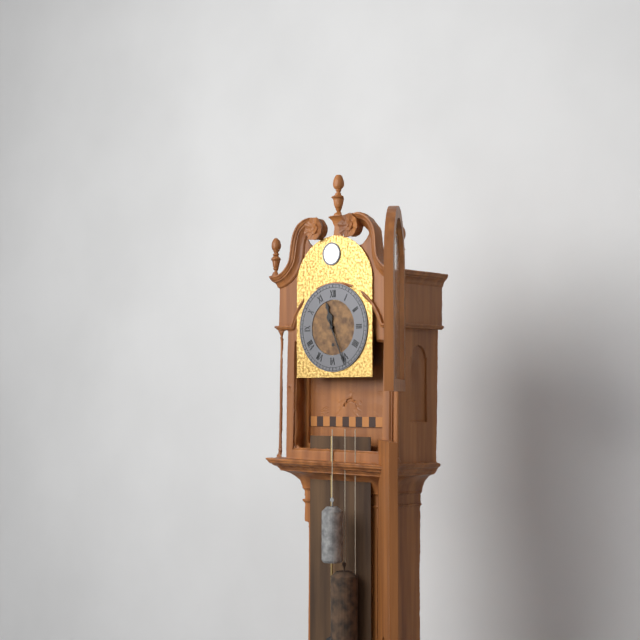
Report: 11 h 26 min
